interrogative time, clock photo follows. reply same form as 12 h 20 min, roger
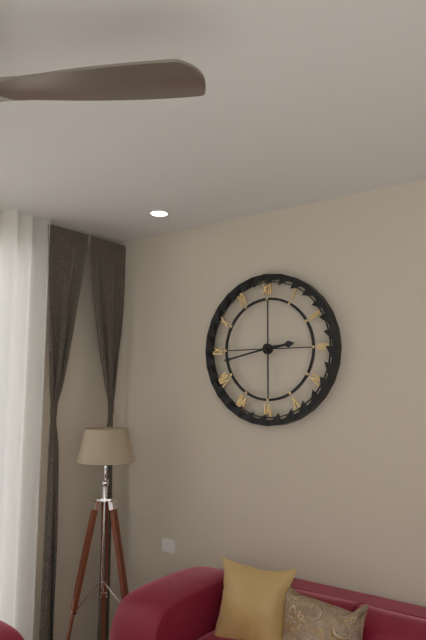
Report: 2 h 43 min
